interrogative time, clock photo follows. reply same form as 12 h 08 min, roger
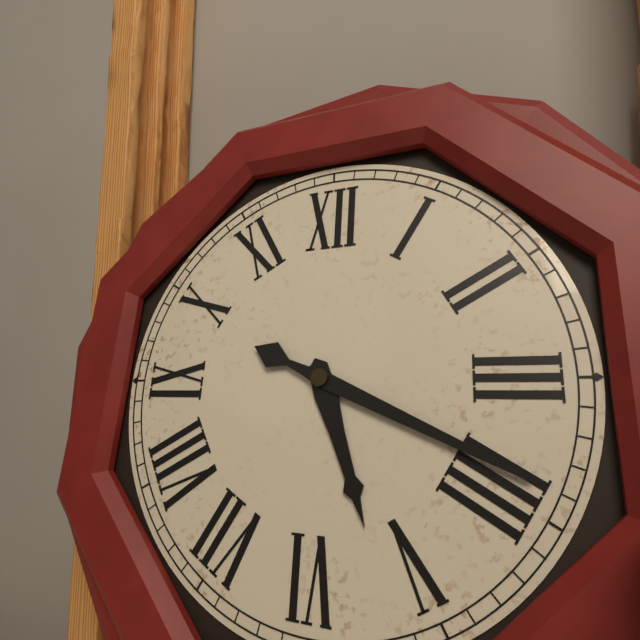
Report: 5 h 19 min
